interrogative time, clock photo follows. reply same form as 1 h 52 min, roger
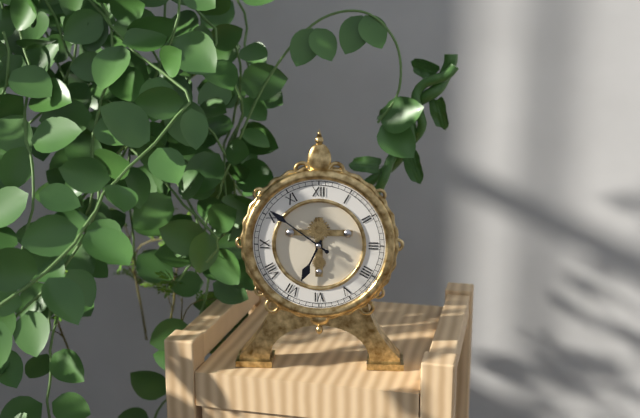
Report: 6 h 51 min
